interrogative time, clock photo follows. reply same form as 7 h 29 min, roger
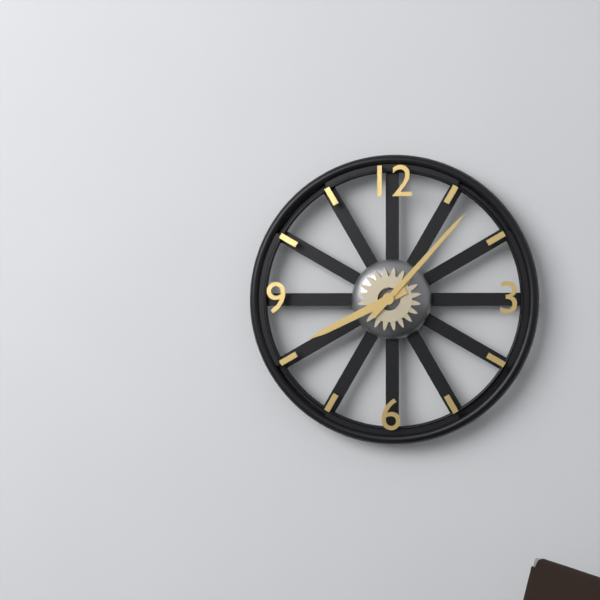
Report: 8 h 07 min
